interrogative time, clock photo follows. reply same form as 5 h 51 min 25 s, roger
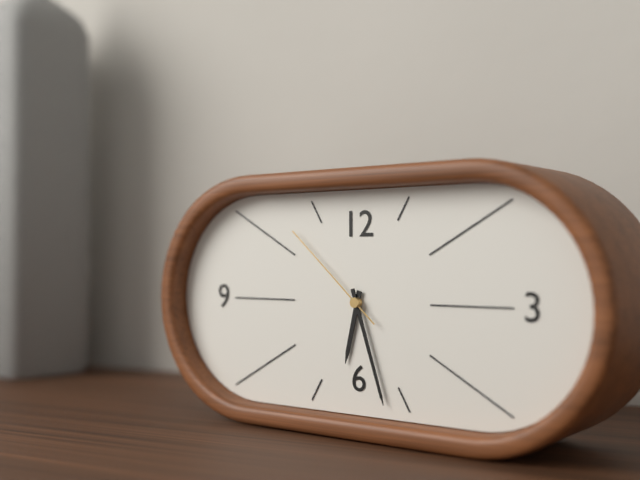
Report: 6 h 27 min 52 s
